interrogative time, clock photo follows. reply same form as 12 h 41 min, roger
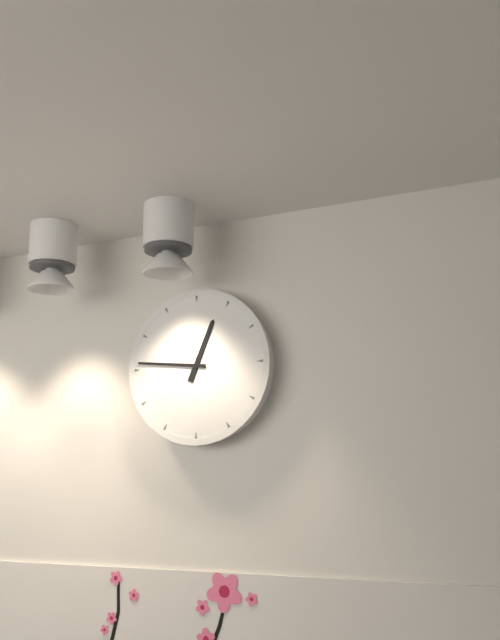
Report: 12 h 46 min
